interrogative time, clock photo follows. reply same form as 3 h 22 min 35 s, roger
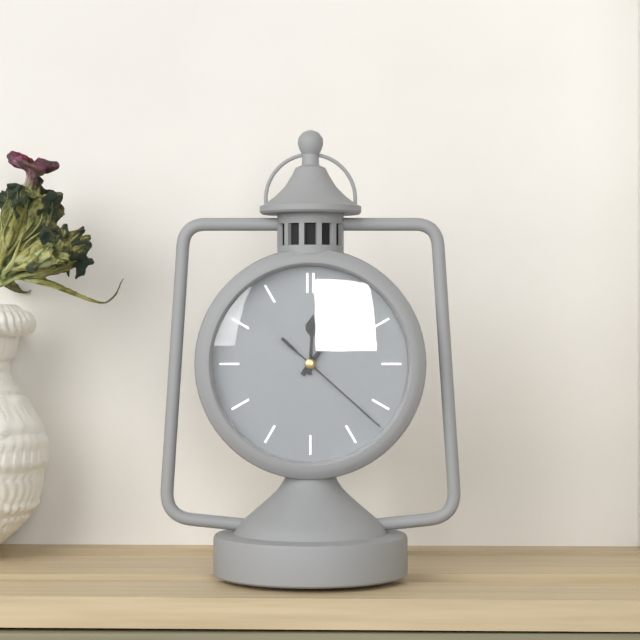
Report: 12 h 06 min 22 s
